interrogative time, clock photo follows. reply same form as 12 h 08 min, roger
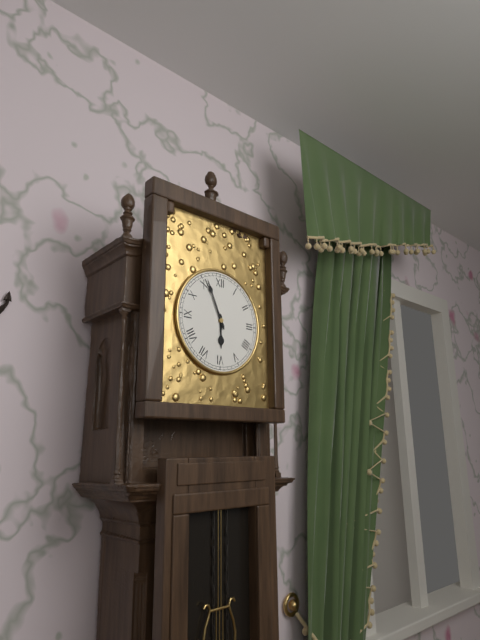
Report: 5 h 56 min
